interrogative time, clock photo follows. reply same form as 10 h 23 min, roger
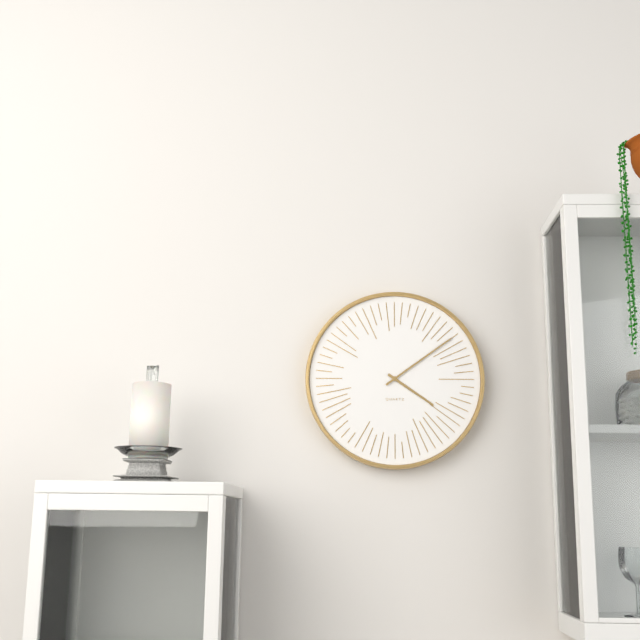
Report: 4 h 09 min
